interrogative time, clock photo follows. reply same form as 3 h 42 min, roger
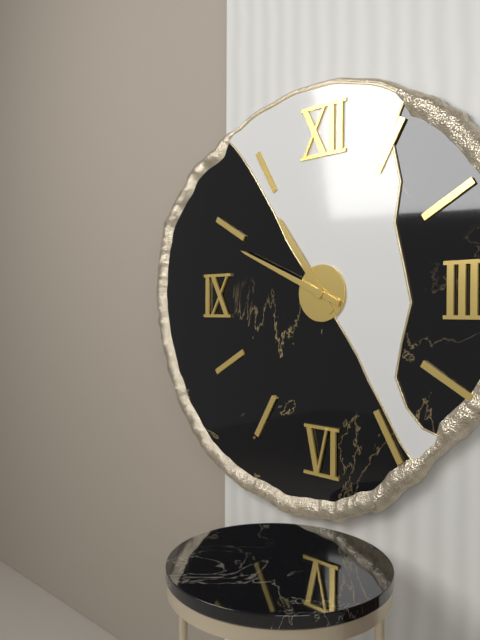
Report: 10 h 49 min
